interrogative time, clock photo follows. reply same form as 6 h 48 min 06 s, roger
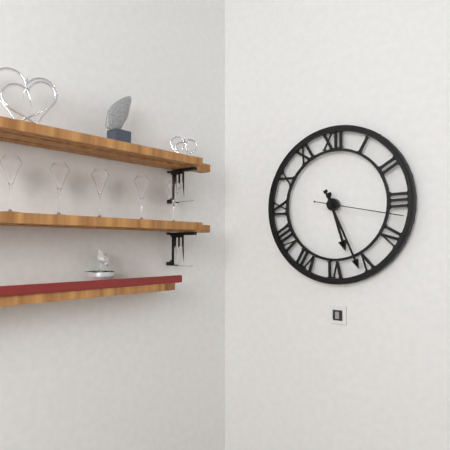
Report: 5 h 26 min 17 s
